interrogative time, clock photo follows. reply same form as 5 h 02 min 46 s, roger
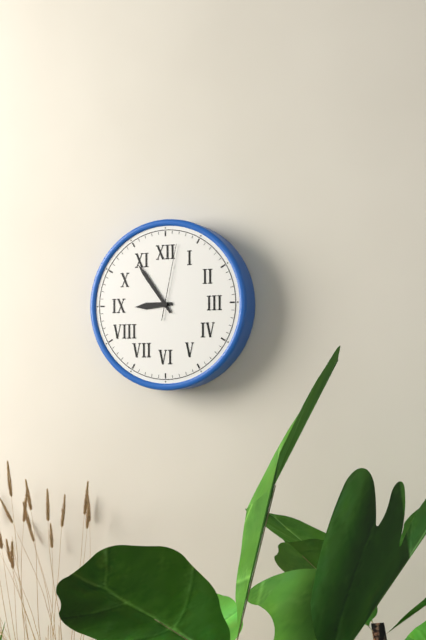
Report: 8 h 54 min 02 s
